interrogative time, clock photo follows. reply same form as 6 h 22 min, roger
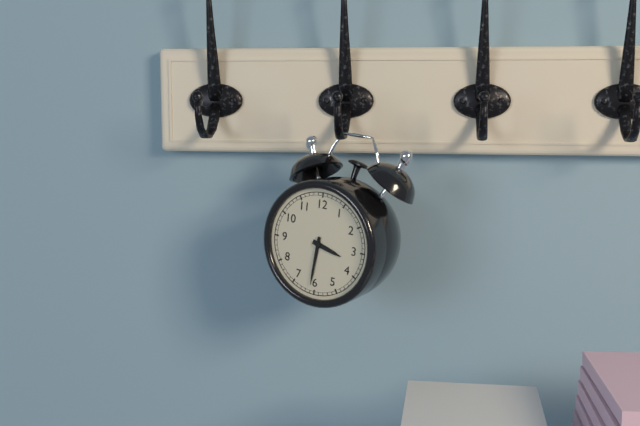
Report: 3 h 31 min
